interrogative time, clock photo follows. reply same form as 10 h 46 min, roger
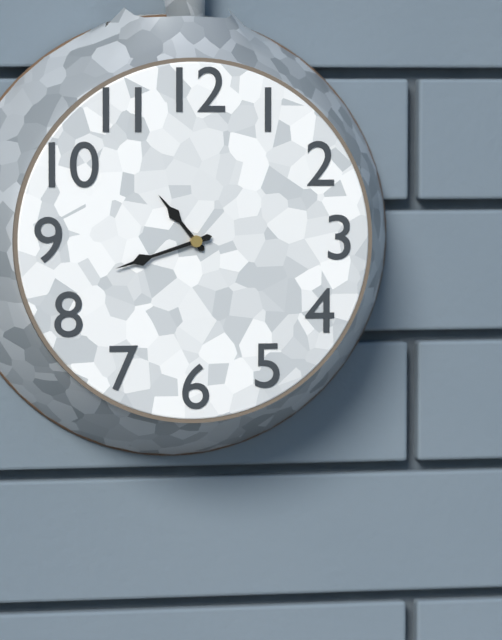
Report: 10 h 42 min
